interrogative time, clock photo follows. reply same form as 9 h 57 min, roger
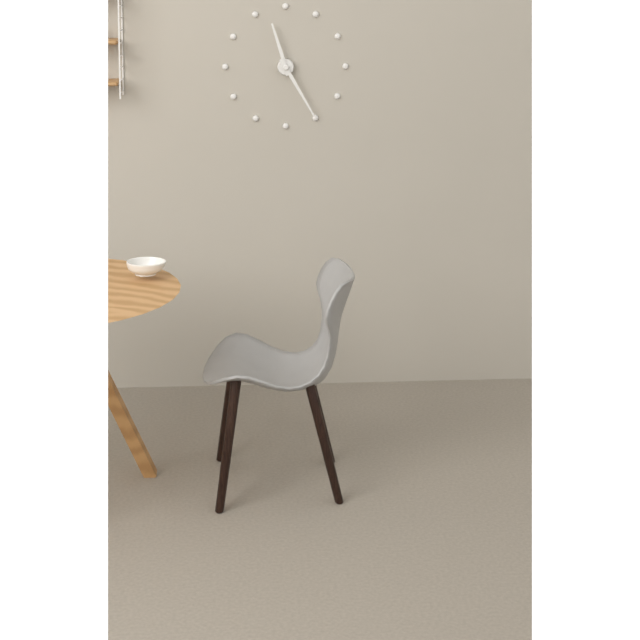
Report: 11 h 25 min
